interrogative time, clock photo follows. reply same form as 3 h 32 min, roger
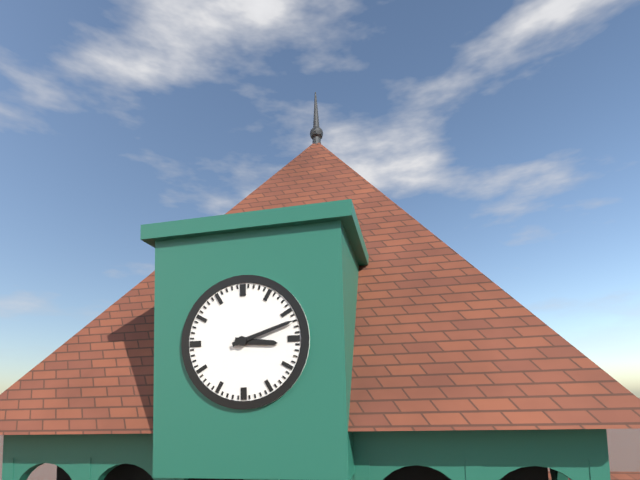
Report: 3 h 12 min
